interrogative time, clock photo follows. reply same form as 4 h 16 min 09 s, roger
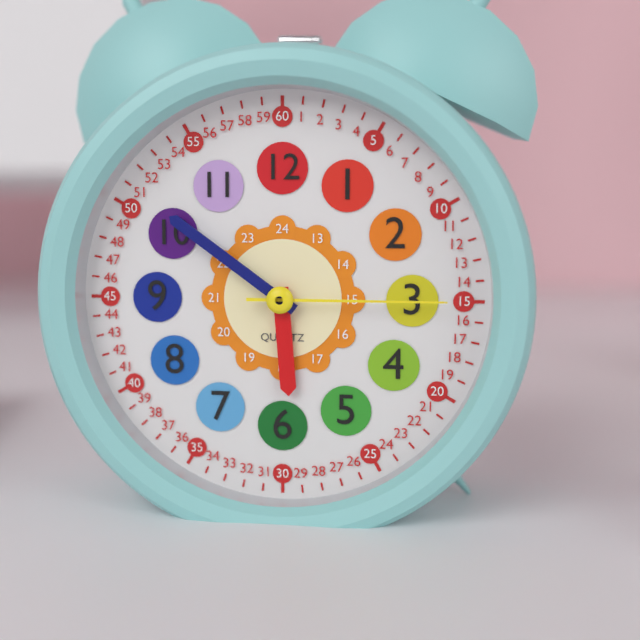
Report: 5 h 51 min 15 s
